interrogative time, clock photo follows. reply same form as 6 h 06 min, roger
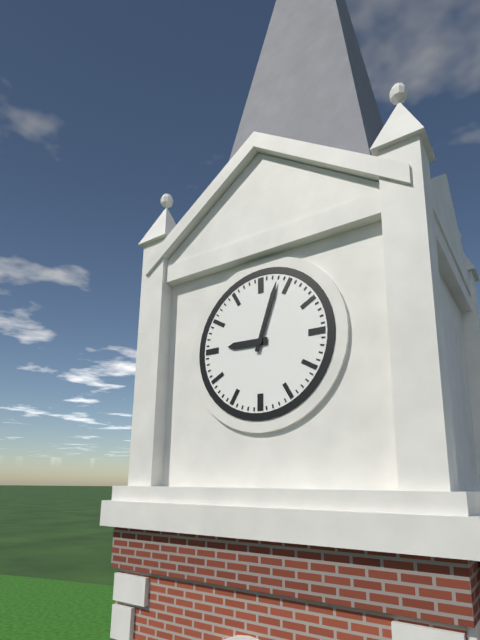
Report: 9 h 03 min
